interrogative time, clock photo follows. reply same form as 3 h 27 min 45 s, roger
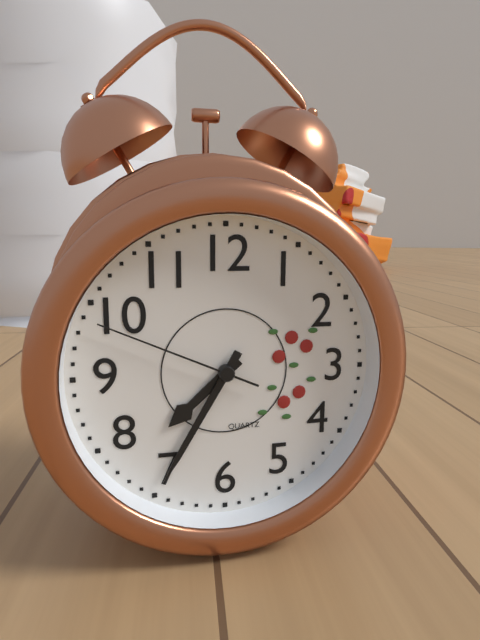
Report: 7 h 35 min 49 s
